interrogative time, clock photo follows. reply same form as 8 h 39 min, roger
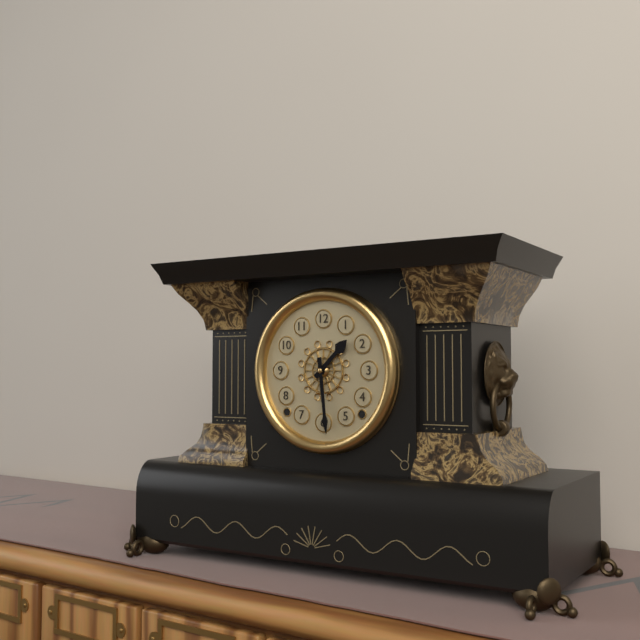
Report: 1 h 29 min
